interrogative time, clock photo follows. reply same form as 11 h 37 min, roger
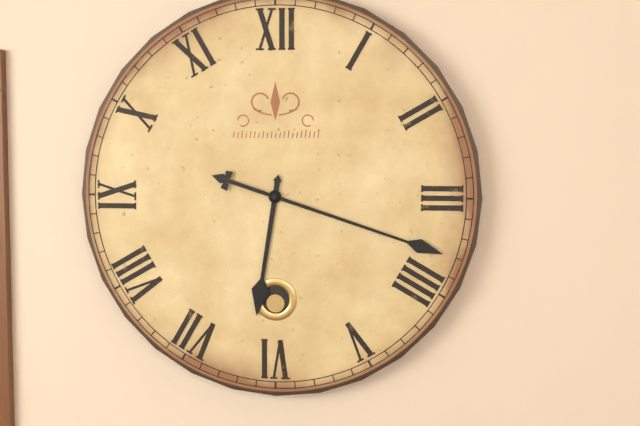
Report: 6 h 18 min
